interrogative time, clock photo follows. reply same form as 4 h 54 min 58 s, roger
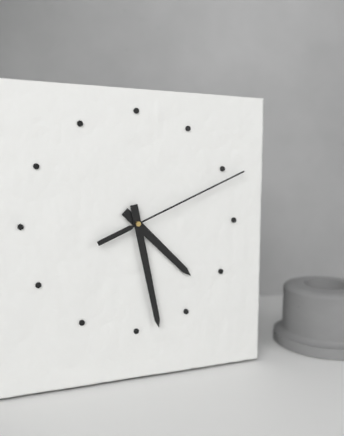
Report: 4 h 28 min 11 s
